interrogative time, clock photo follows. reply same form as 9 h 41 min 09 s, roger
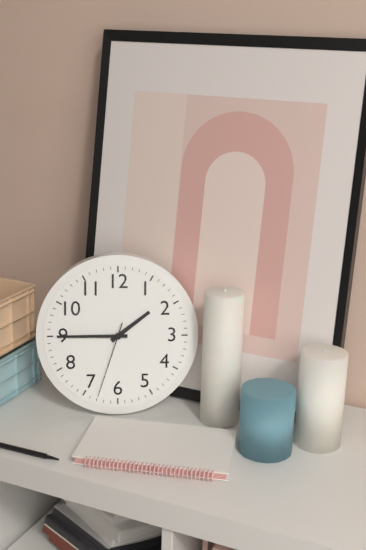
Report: 1 h 45 min 33 s
